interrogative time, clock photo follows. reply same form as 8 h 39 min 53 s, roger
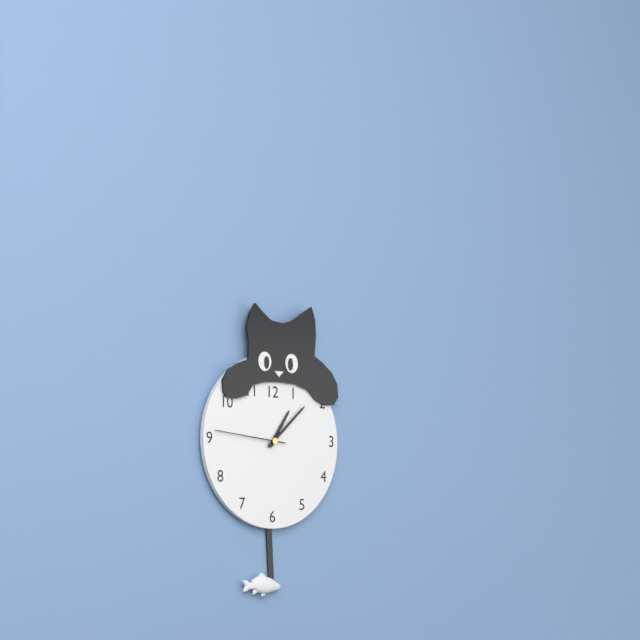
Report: 1 h 08 min 46 s
